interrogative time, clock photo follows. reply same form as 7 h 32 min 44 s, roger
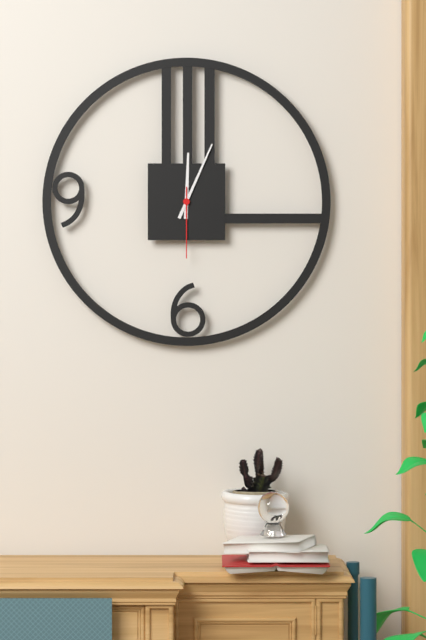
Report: 12 h 04 min 30 s
